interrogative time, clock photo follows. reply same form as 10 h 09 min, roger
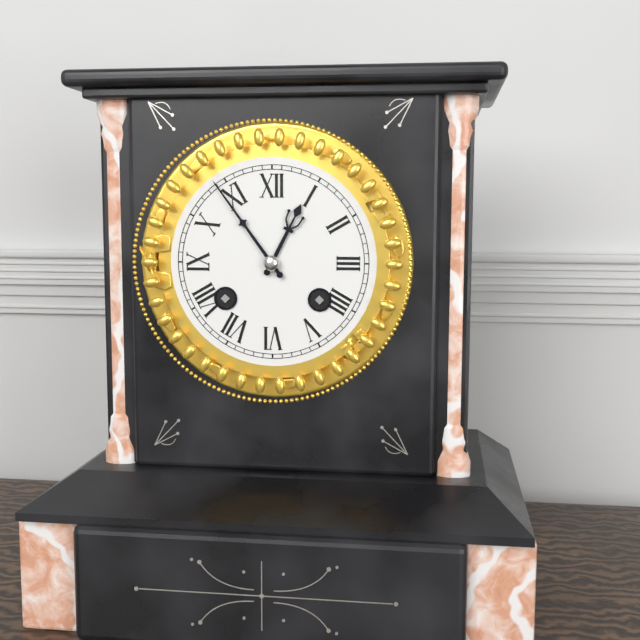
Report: 12 h 54 min
